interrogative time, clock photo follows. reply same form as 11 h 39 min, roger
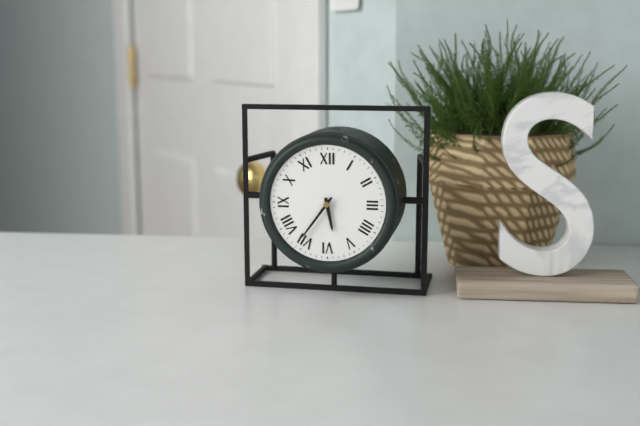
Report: 5 h 36 min
